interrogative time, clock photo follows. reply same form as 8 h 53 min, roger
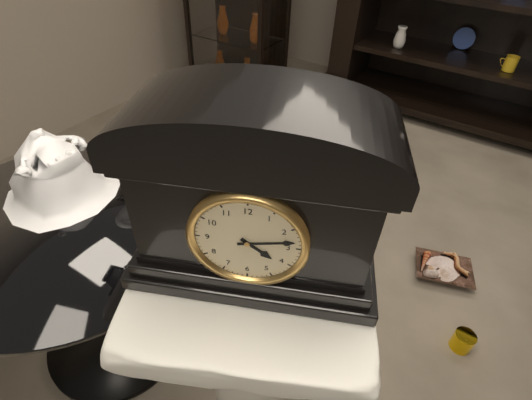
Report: 4 h 13 min
